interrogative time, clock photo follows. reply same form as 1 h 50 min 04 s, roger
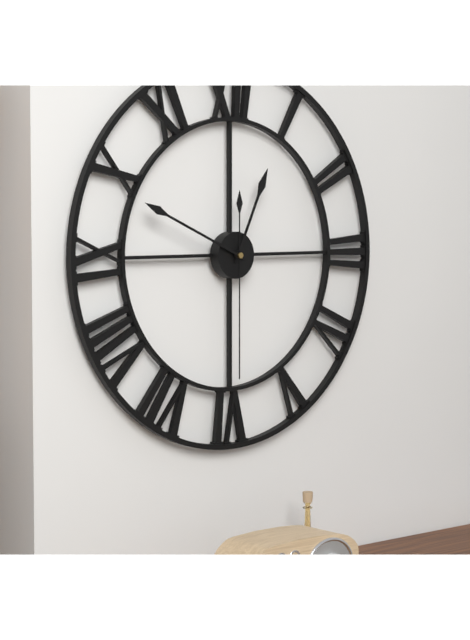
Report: 12 h 49 min 30 s
